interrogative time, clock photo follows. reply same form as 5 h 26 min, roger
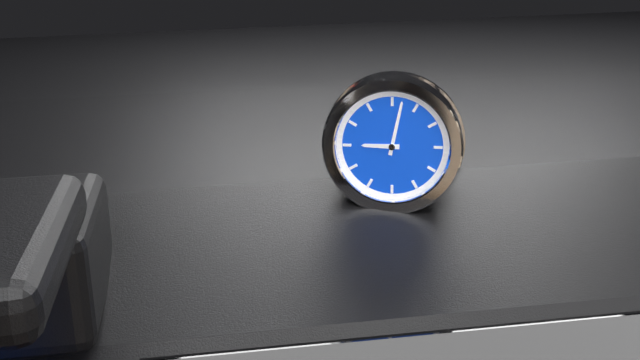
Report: 9 h 02 min
